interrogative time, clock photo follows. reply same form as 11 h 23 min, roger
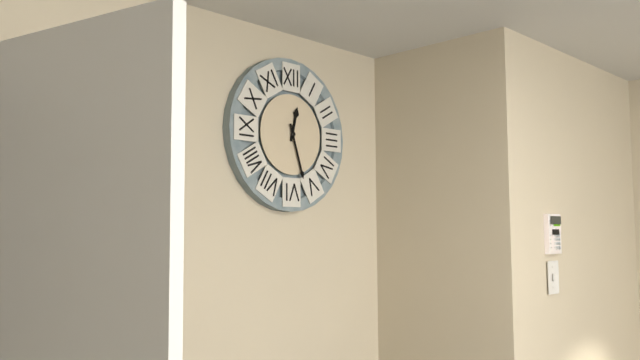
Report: 12 h 27 min
